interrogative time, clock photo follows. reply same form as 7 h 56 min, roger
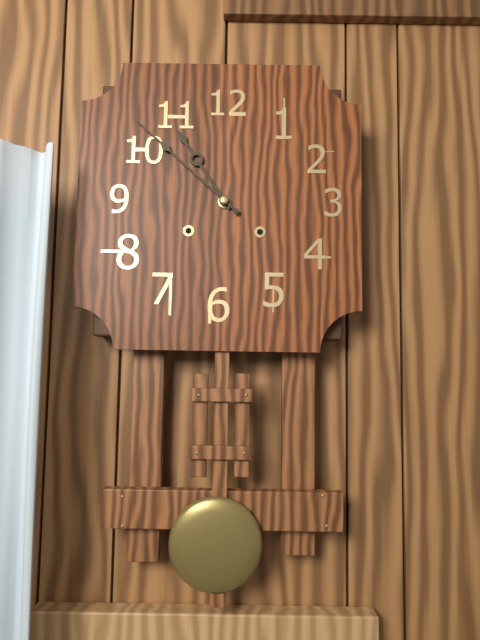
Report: 10 h 52 min
